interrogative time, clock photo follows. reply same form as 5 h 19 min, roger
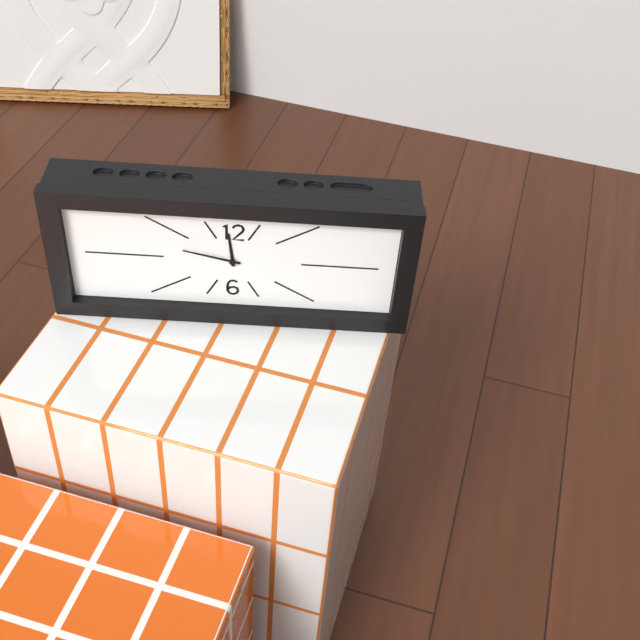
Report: 11 h 47 min
